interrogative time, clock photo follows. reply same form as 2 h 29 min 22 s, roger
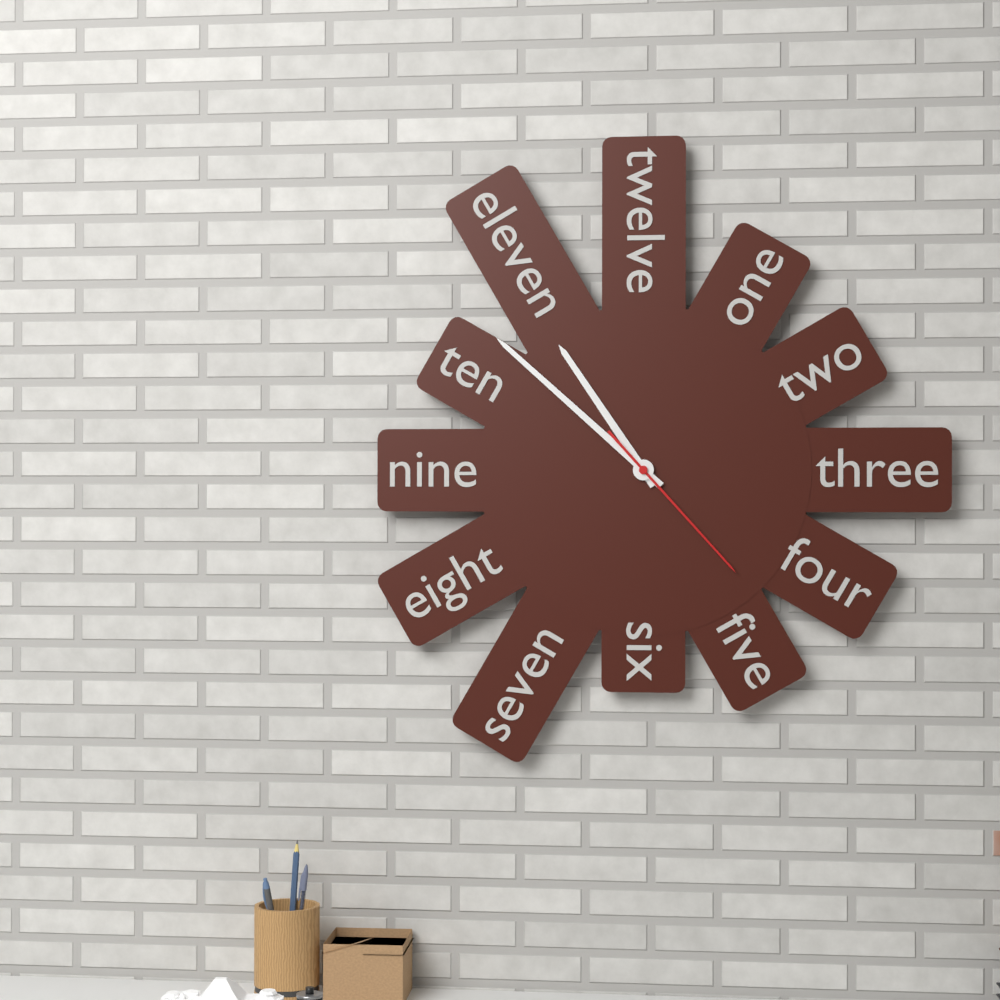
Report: 10 h 52 min 23 s
